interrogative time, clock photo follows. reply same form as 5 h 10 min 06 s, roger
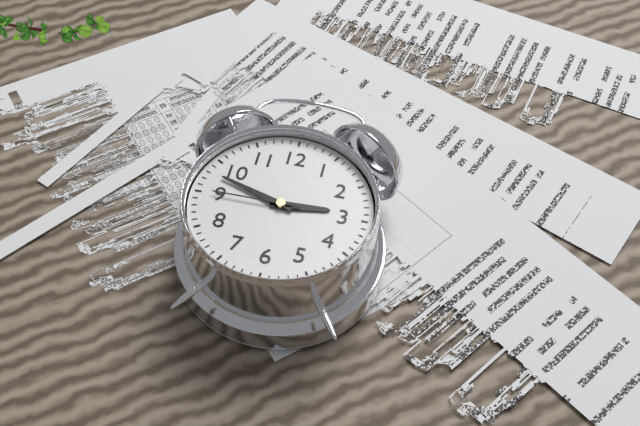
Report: 2 h 48 min 45 s
